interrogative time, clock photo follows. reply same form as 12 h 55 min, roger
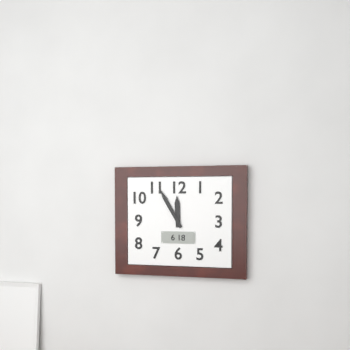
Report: 11 h 55 min
